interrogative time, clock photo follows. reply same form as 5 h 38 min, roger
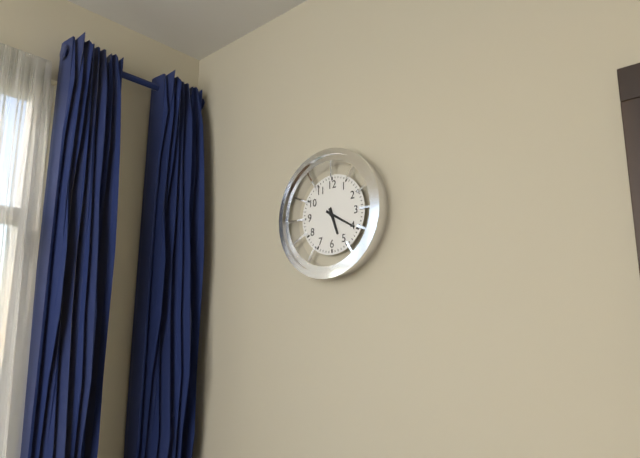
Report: 5 h 20 min
